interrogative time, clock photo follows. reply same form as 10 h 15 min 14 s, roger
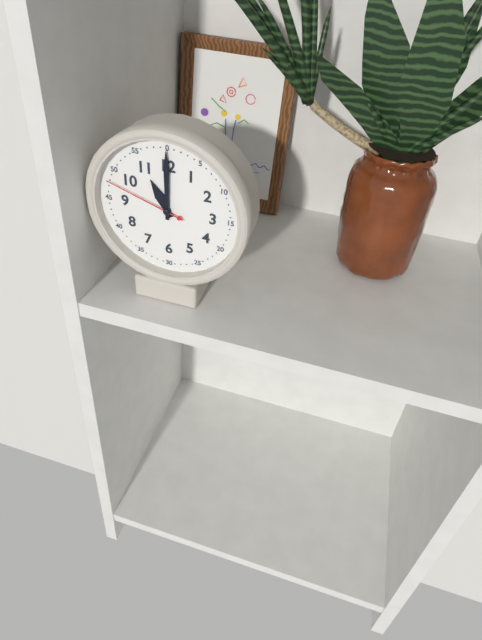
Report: 11 h 00 min 48 s
